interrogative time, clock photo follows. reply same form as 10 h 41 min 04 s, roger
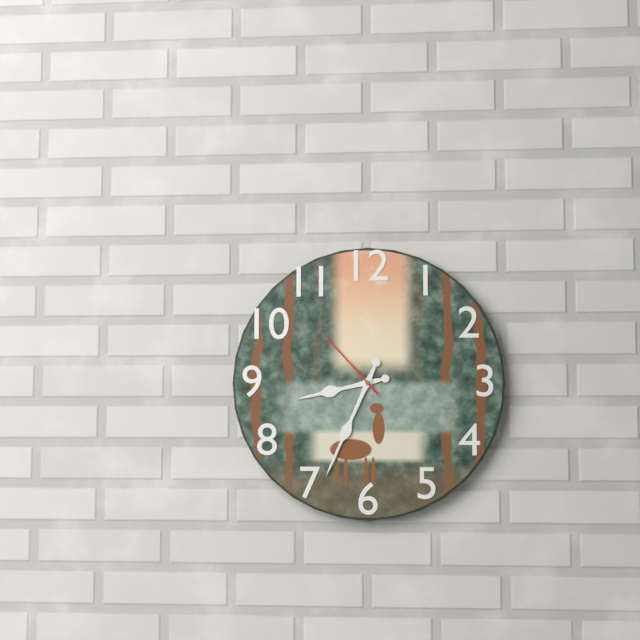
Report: 8 h 34 min 53 s
